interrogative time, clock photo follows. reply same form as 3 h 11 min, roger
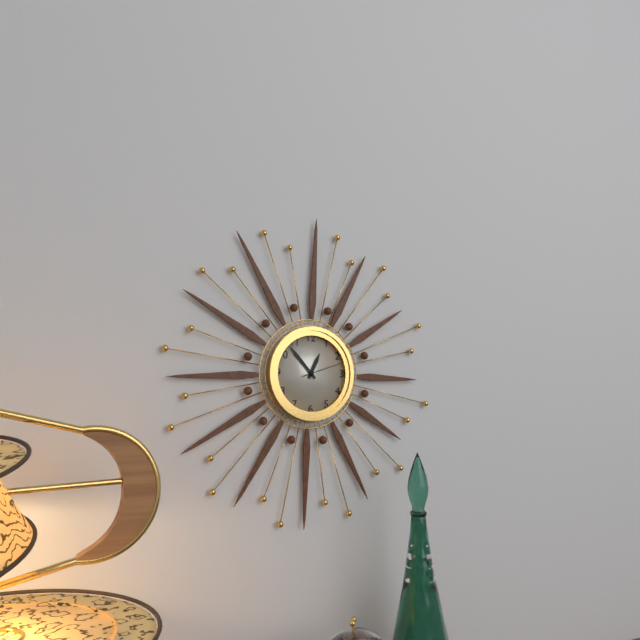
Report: 12 h 53 min
